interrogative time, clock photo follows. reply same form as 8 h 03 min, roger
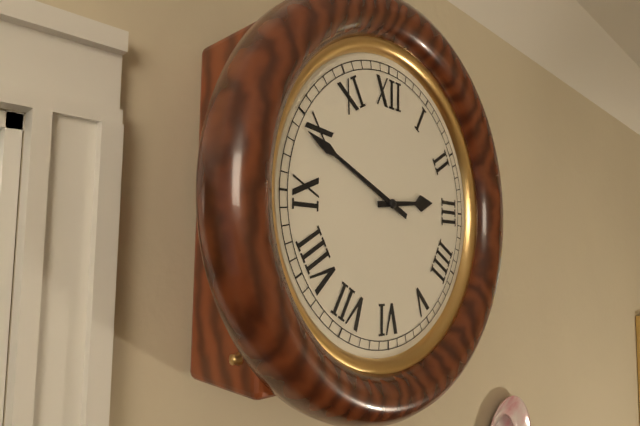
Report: 2 h 49 min
